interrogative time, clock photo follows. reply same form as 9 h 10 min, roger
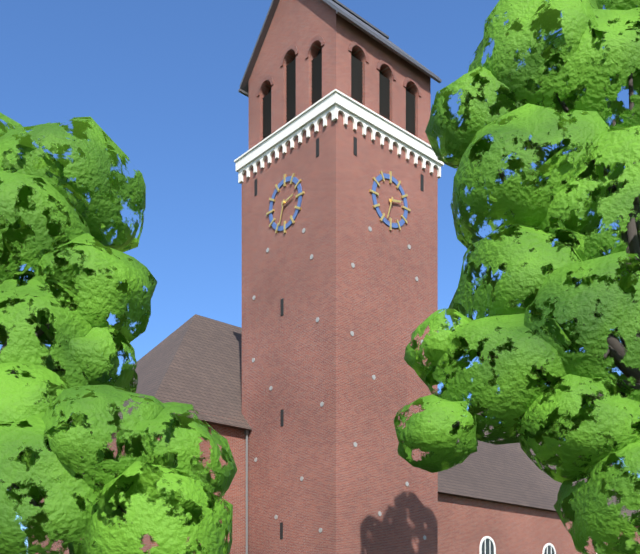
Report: 2 h 33 min
